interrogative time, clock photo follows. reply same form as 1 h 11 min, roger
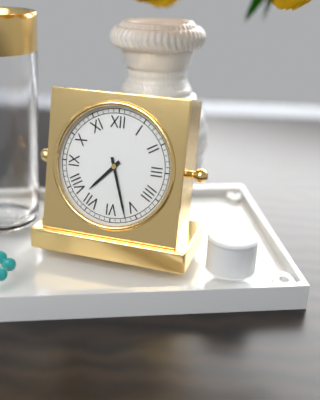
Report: 7 h 27 min
